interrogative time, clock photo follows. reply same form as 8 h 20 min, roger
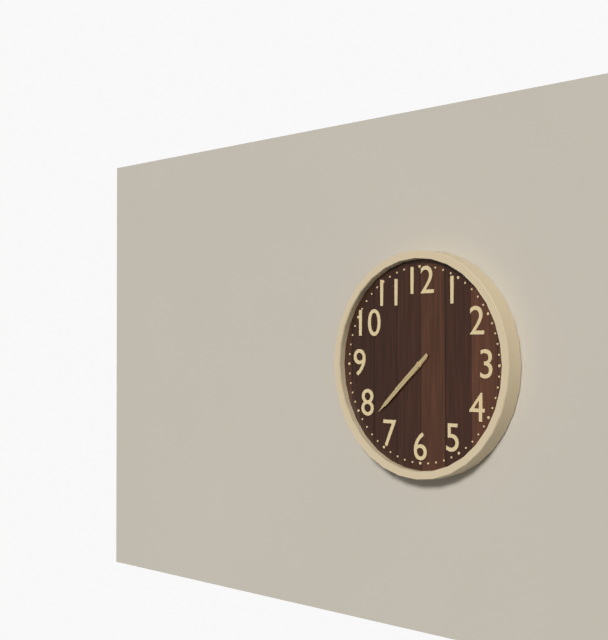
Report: 7 h 38 min
